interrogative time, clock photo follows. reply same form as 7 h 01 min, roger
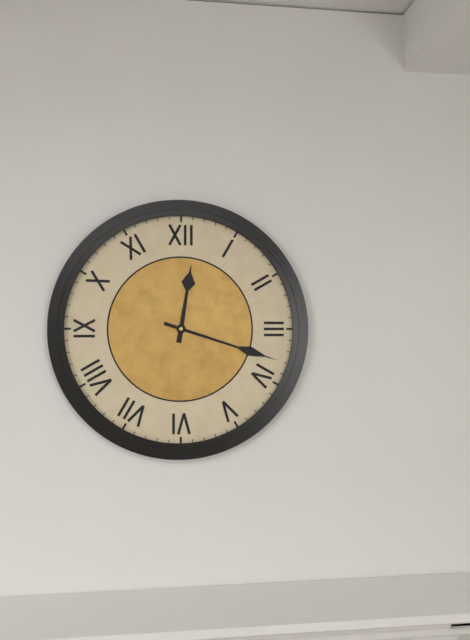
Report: 12 h 18 min
